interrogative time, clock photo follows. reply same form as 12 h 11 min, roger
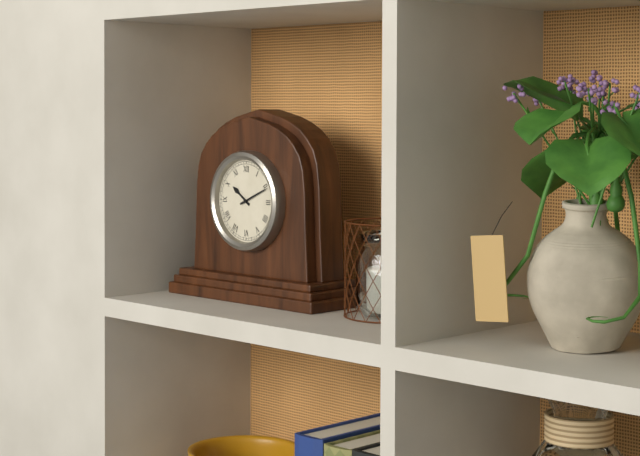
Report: 10 h 11 min
